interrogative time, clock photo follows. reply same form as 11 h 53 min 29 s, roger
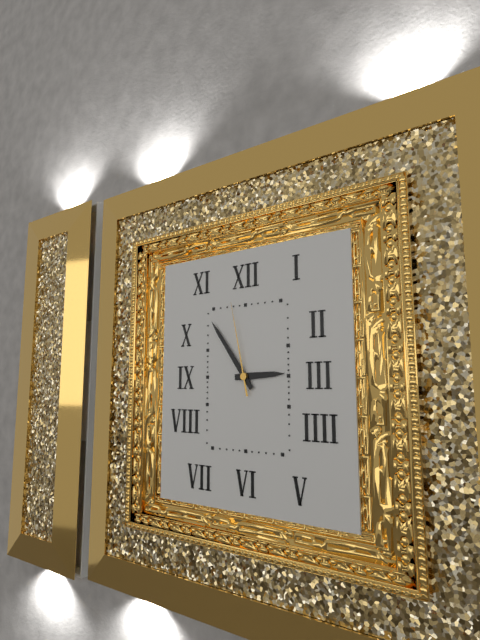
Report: 2 h 54 min 58 s
